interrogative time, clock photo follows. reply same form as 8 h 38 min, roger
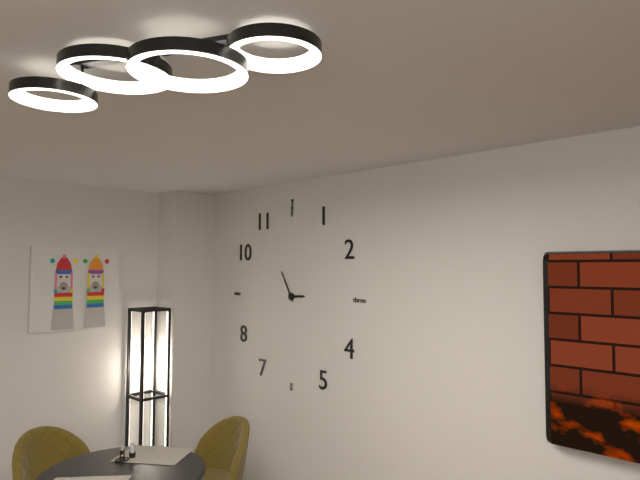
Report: 2 h 55 min
